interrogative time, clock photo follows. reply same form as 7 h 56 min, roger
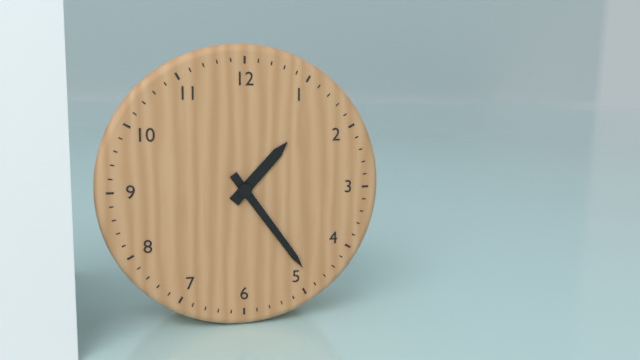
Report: 1 h 24 min
